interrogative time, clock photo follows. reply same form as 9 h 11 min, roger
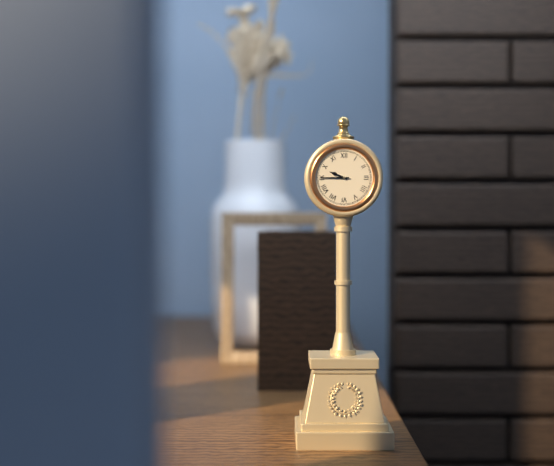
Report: 9 h 45 min
